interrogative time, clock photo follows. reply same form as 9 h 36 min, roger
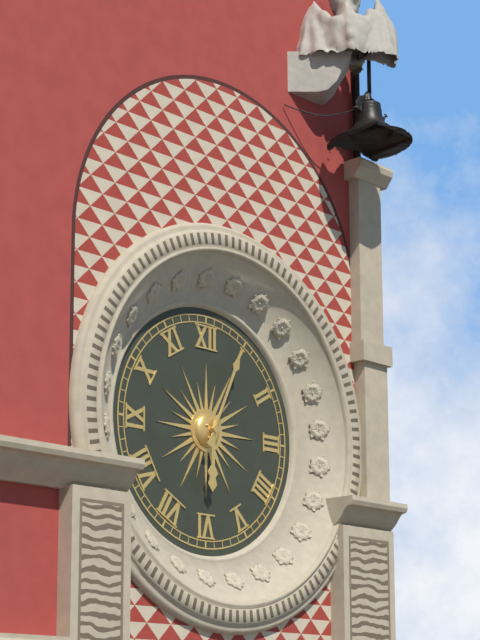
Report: 6 h 04 min
